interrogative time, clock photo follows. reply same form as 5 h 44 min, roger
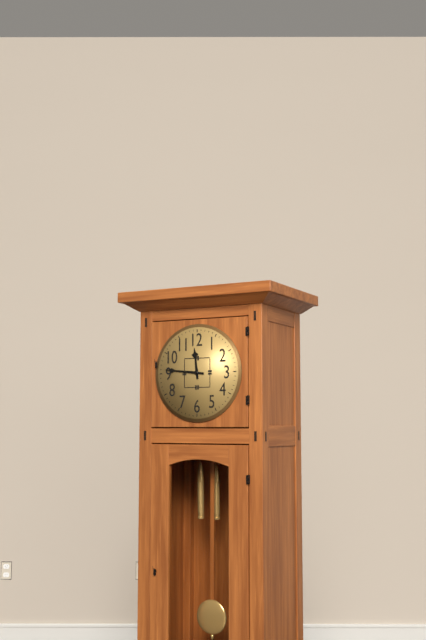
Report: 11 h 46 min
